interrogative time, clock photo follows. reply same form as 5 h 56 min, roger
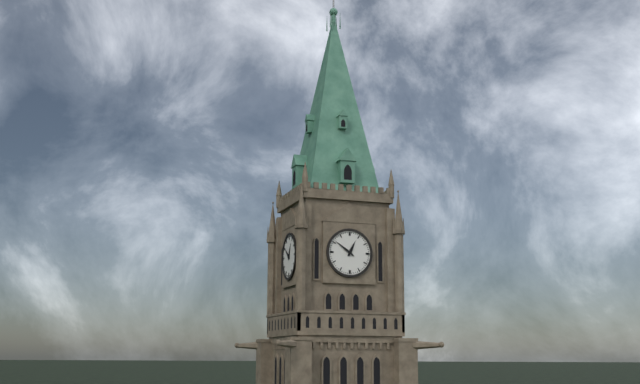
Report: 12 h 51 min
